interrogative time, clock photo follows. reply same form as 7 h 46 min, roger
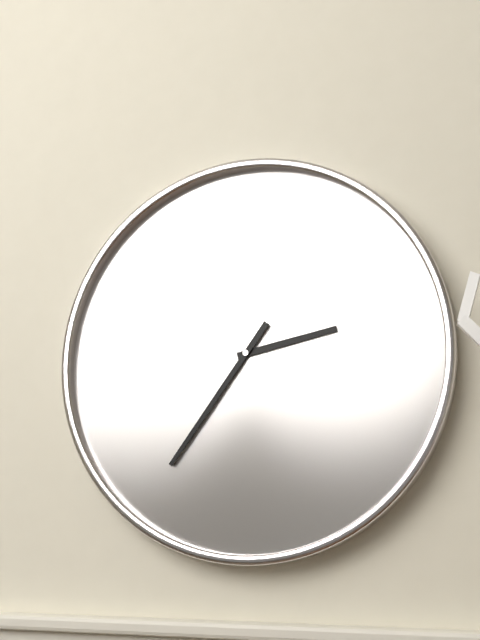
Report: 2 h 36 min
